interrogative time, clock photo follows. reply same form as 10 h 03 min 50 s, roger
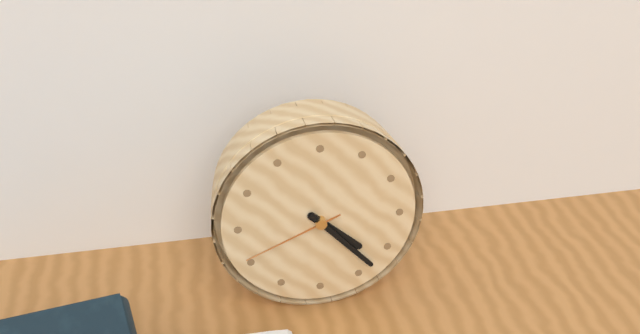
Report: 4 h 23 min 41 s
